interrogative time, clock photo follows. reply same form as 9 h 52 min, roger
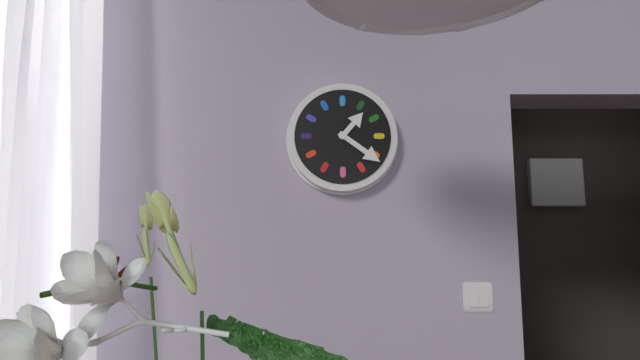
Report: 1 h 21 min
